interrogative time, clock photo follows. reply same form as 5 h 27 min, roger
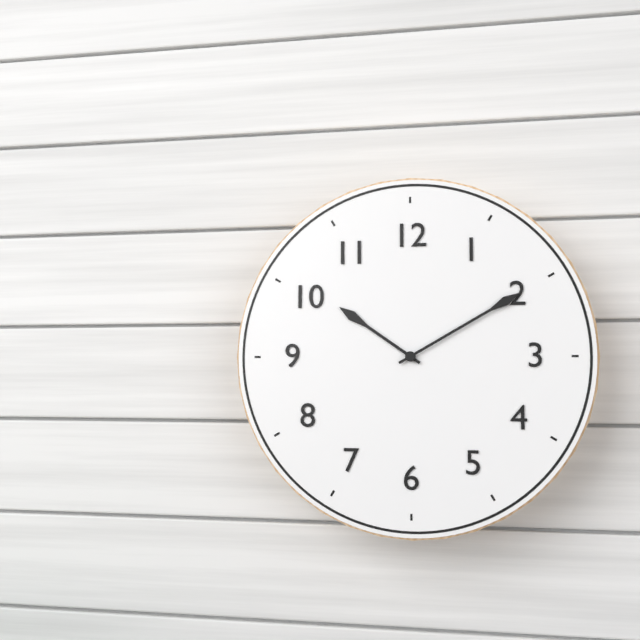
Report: 10 h 10 min
